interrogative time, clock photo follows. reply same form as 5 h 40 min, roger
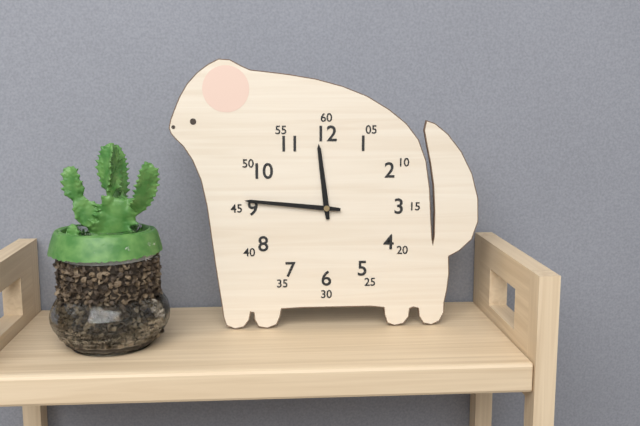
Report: 11 h 46 min
